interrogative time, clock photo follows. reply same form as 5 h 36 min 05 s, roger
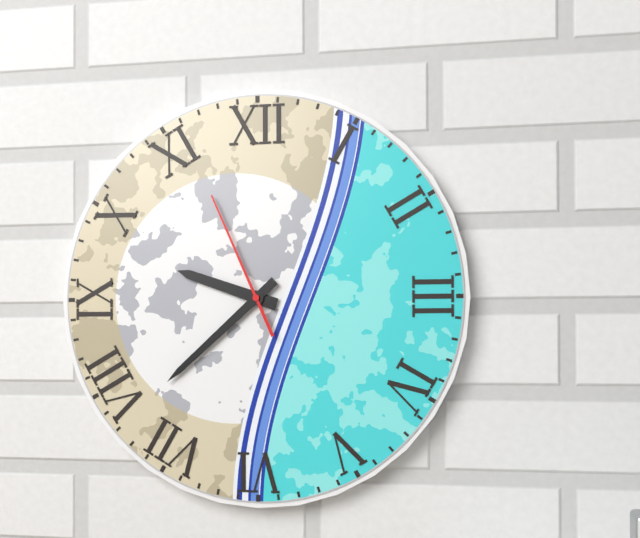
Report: 9 h 38 min 56 s
